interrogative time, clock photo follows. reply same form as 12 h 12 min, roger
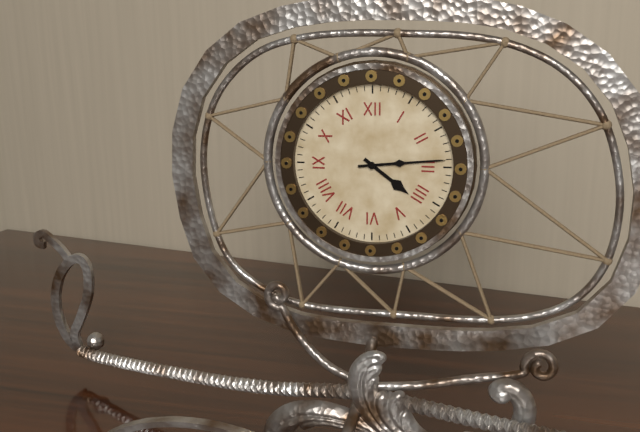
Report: 4 h 14 min
